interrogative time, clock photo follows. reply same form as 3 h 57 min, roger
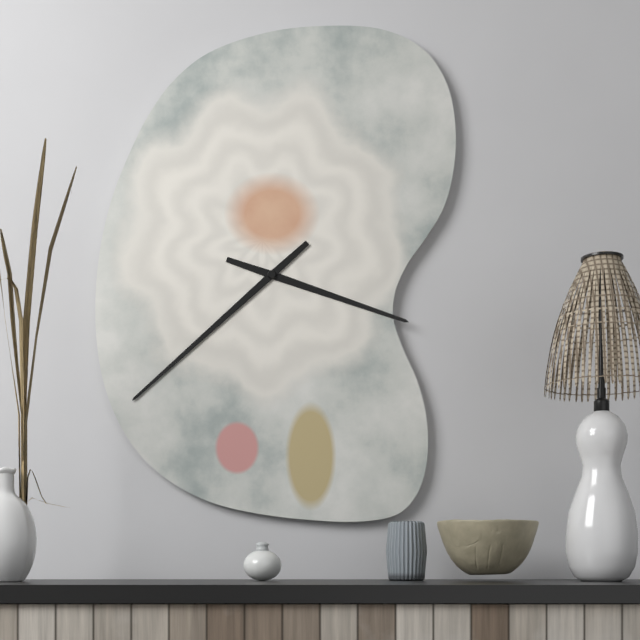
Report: 3 h 38 min
